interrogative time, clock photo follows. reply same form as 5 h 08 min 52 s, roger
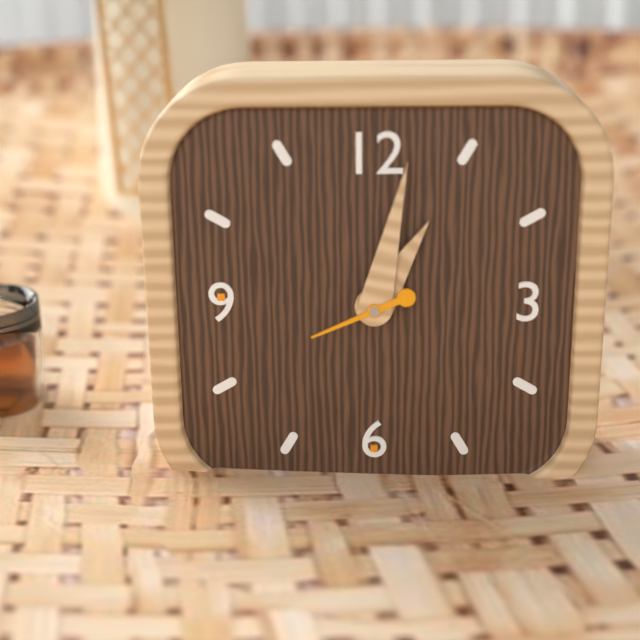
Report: 1 h 02 min 41 s
